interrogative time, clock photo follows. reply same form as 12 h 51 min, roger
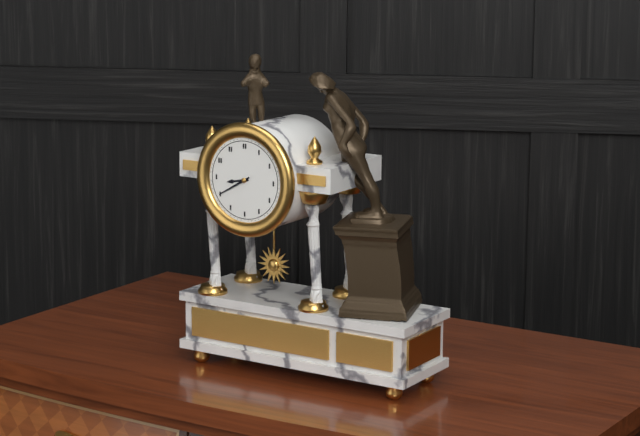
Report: 8 h 40 min
